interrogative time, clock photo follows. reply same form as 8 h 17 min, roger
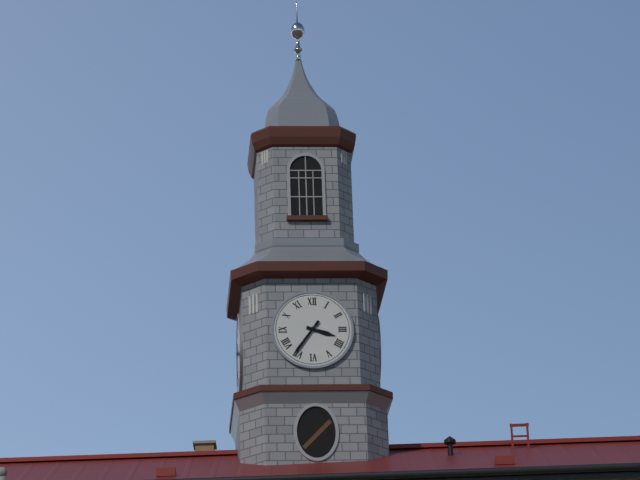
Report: 3 h 36 min
